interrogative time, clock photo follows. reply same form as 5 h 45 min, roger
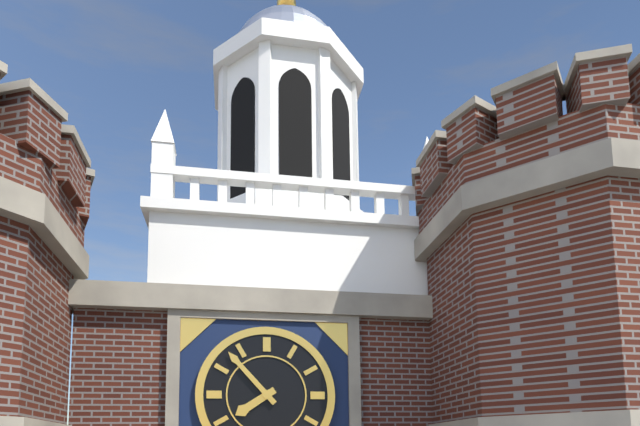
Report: 7 h 53 min
